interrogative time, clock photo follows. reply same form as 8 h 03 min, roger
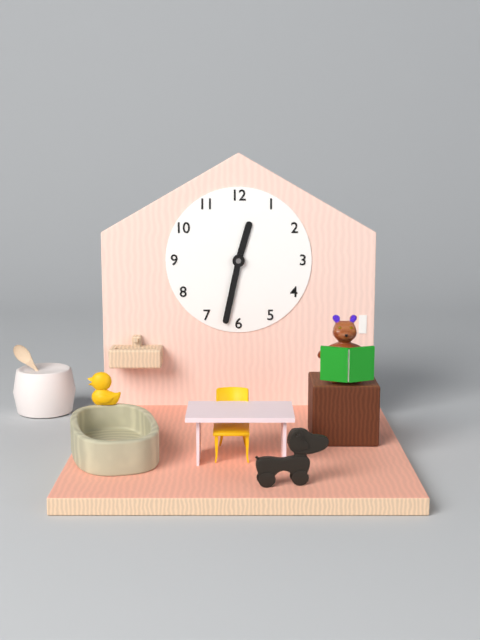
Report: 12 h 32 min
